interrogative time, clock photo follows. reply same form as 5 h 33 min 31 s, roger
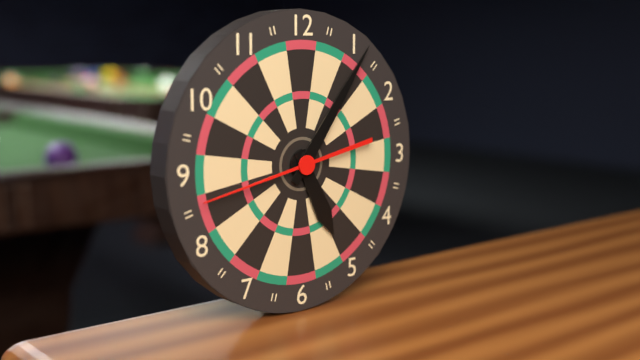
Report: 5 h 06 min 43 s
